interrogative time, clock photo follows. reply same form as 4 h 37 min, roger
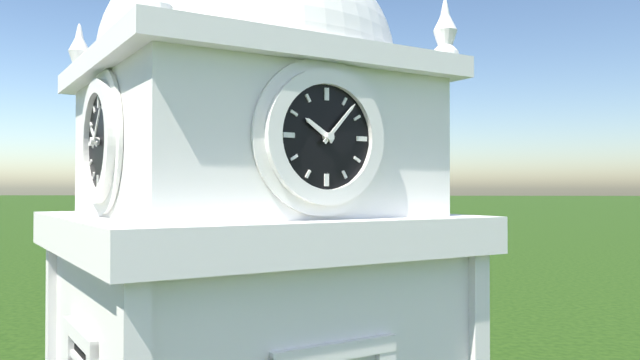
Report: 10 h 07 min
